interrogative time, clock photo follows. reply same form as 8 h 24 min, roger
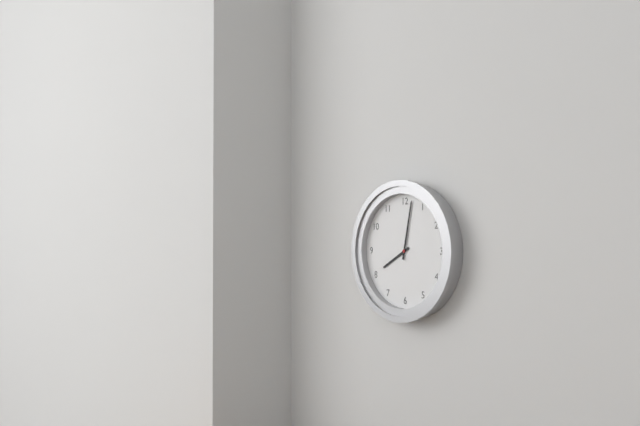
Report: 8 h 02 min
